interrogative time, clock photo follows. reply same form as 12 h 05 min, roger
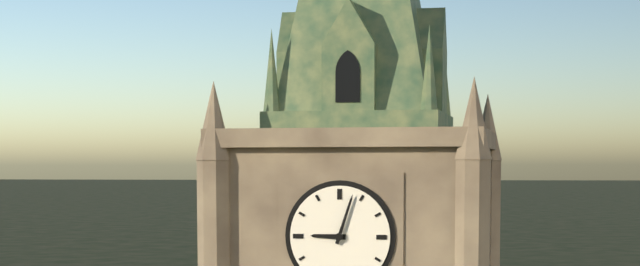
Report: 9 h 03 min
